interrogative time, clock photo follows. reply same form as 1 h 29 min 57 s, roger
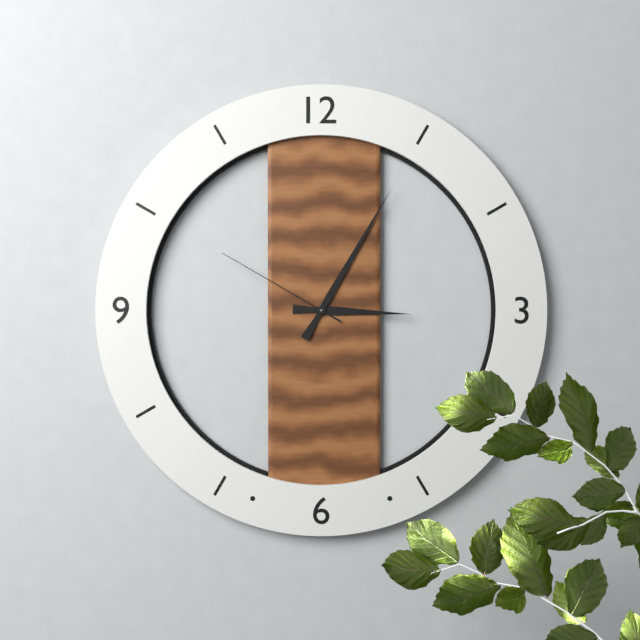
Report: 3 h 05 min 50 s
